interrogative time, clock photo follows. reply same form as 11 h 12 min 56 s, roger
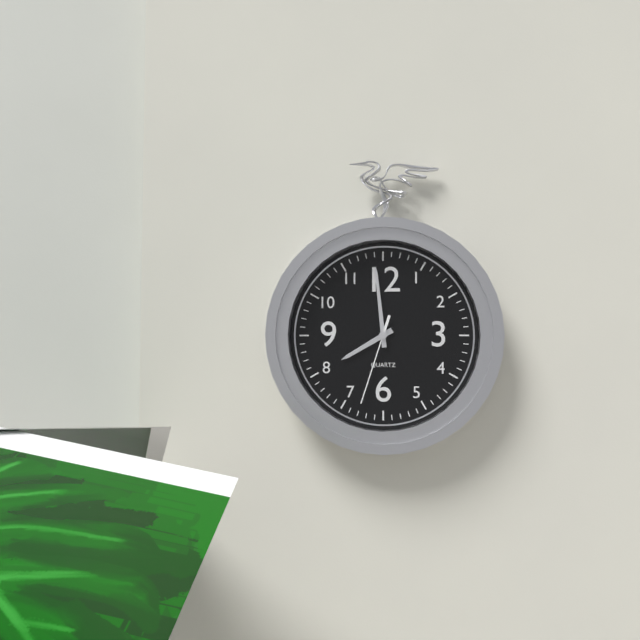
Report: 7 h 59 min 33 s
